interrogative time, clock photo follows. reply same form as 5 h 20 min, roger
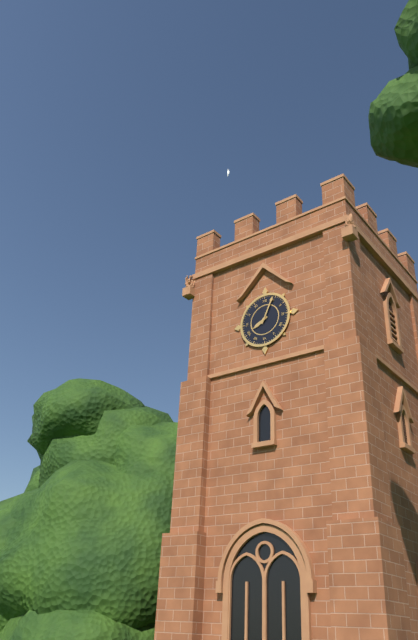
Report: 8 h 04 min
